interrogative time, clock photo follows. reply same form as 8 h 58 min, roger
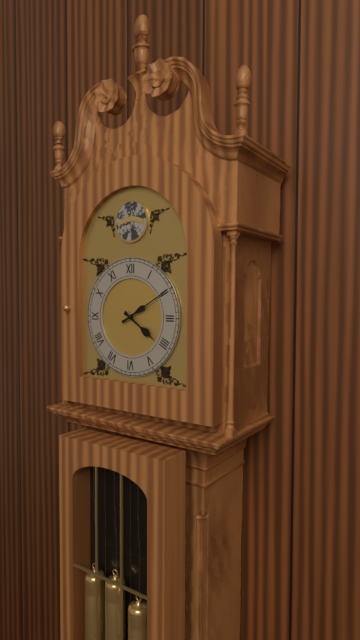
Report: 4 h 10 min
